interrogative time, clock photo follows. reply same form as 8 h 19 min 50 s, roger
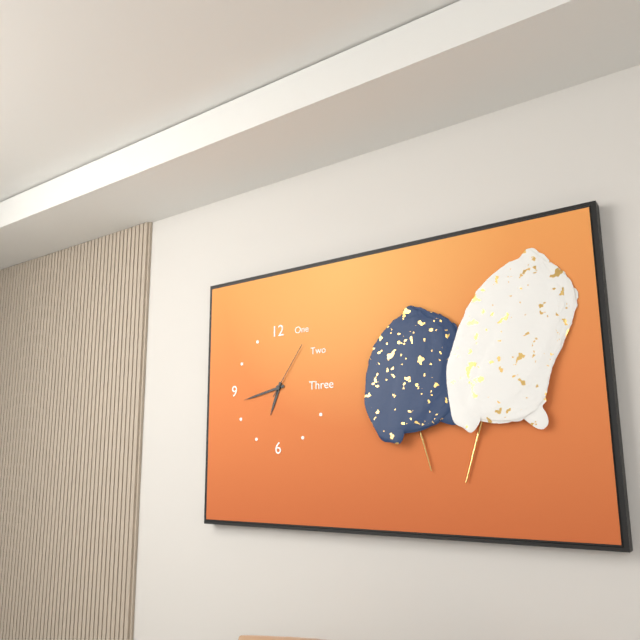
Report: 6 h 43 min 06 s
